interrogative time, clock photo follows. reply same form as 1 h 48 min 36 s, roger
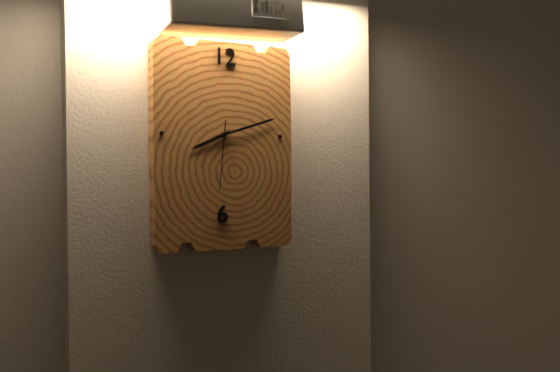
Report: 8 h 12 min 31 s
